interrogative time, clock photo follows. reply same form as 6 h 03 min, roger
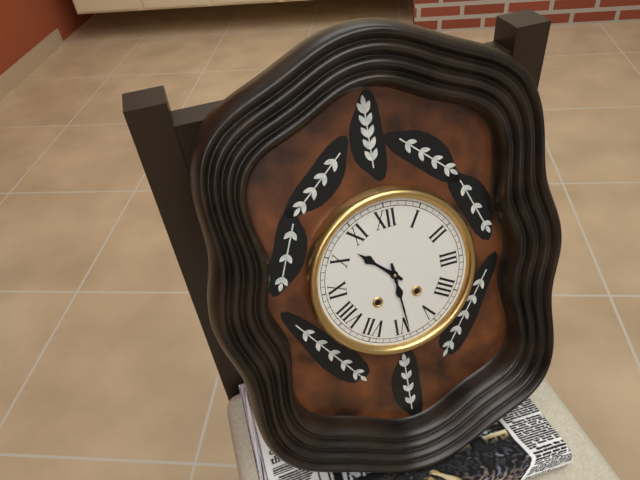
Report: 10 h 29 min
